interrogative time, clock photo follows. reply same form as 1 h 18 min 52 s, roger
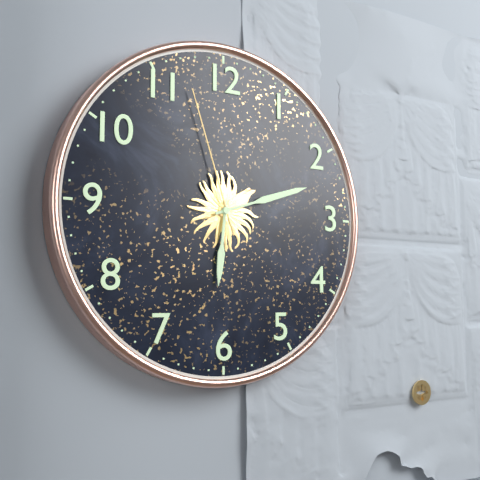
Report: 6 h 12 min 57 s
